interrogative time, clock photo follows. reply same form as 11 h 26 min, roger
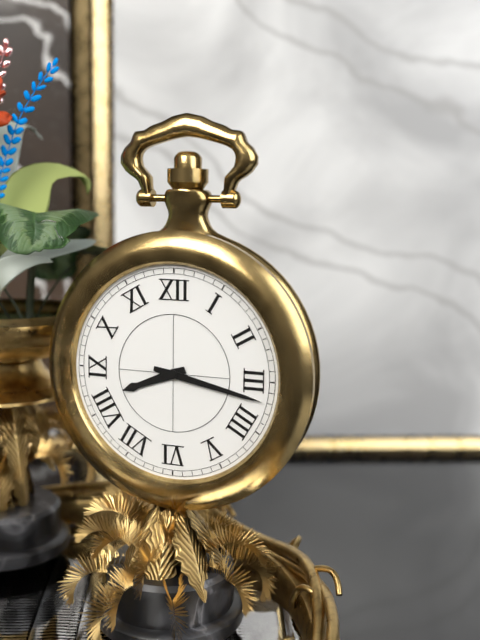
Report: 8 h 17 min
